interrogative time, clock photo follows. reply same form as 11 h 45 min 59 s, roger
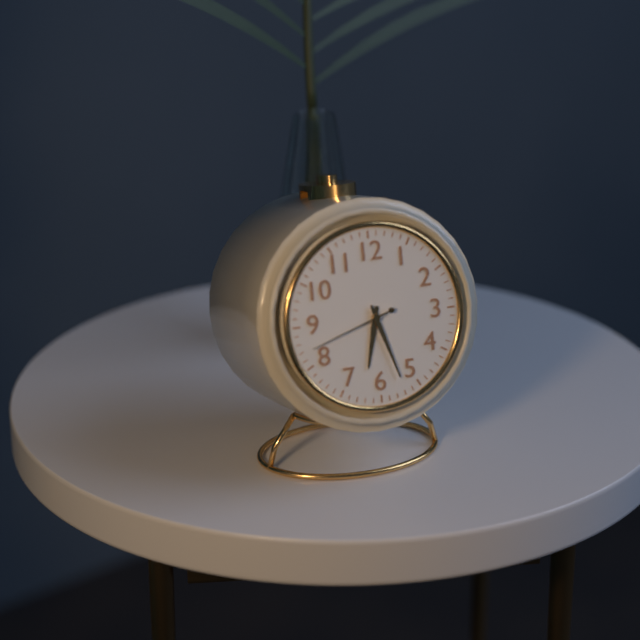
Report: 6 h 27 min 42 s
